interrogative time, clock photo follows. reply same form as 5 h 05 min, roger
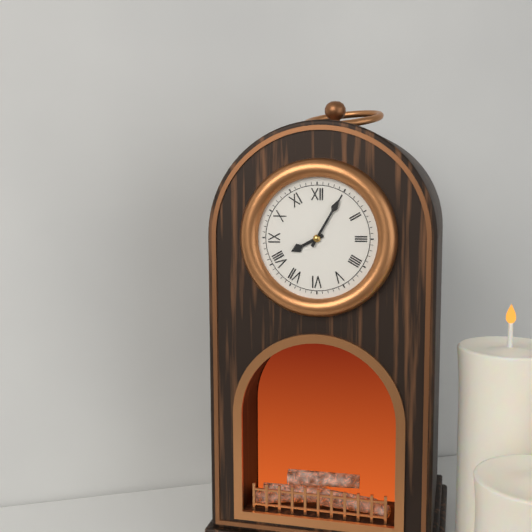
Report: 8 h 05 min
